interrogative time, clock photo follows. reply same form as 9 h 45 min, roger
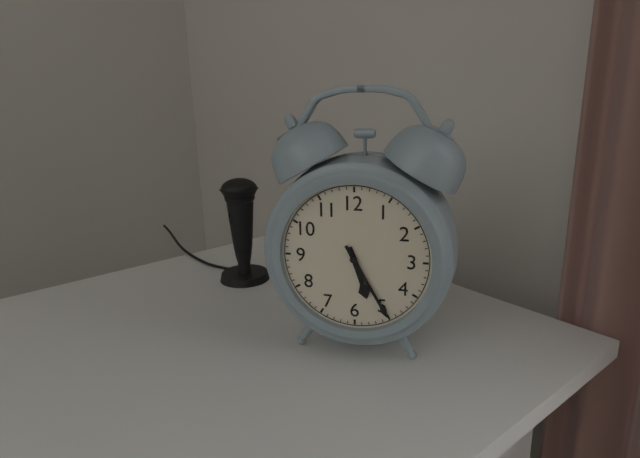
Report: 5 h 25 min
